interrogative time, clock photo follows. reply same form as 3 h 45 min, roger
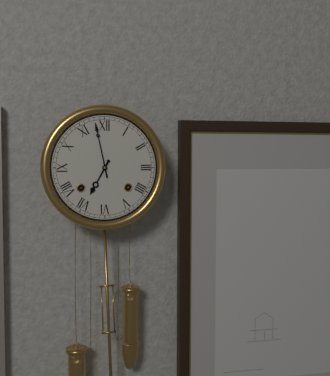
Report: 6 h 58 min
